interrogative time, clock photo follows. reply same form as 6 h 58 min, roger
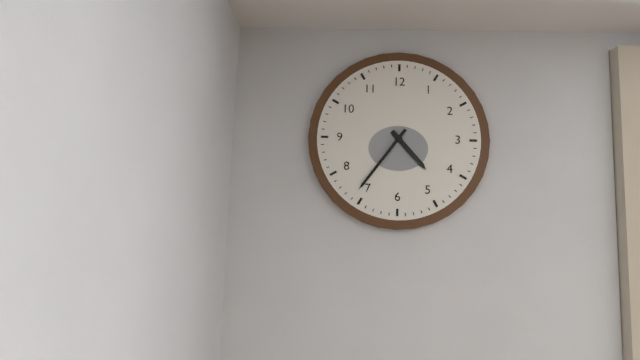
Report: 4 h 36 min
